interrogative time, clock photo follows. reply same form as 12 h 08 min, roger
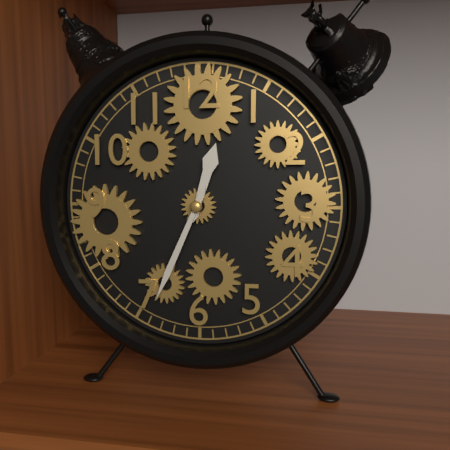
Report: 12 h 34 min
